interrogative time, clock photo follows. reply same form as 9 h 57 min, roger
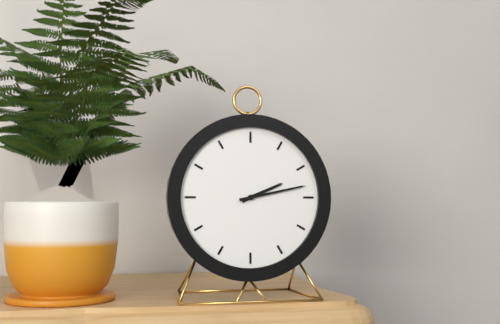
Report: 2 h 13 min
